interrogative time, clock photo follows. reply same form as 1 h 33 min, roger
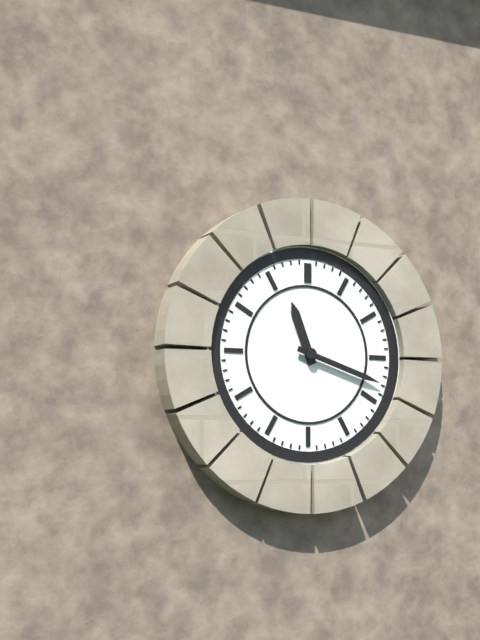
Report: 11 h 18 min
